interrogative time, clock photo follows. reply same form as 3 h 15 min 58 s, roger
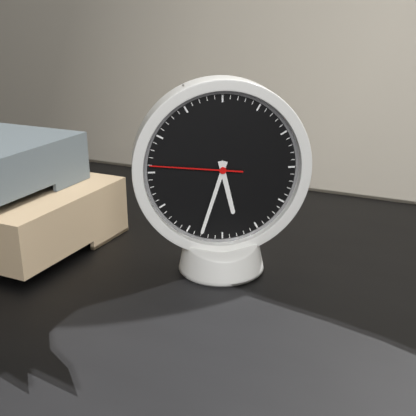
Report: 5 h 33 min 46 s
